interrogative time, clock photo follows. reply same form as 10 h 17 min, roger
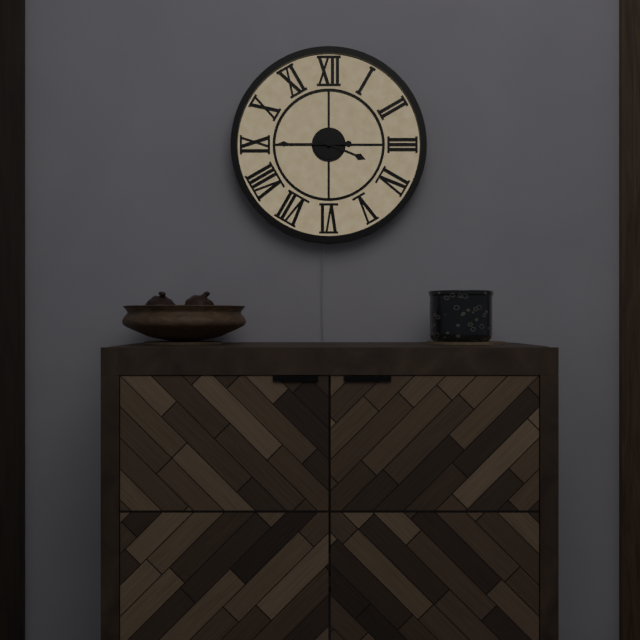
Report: 3 h 45 min
